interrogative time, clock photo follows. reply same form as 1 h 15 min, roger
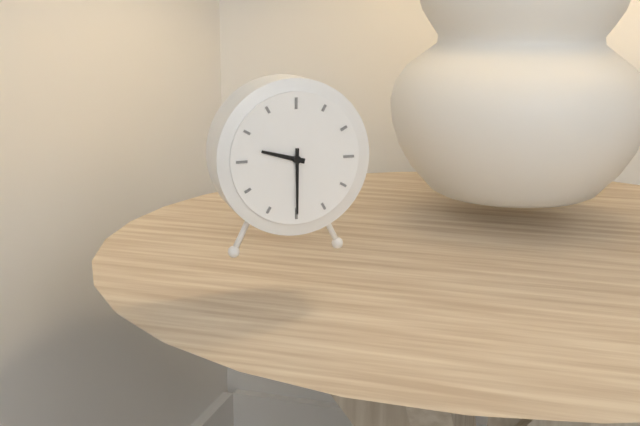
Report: 9 h 30 min
